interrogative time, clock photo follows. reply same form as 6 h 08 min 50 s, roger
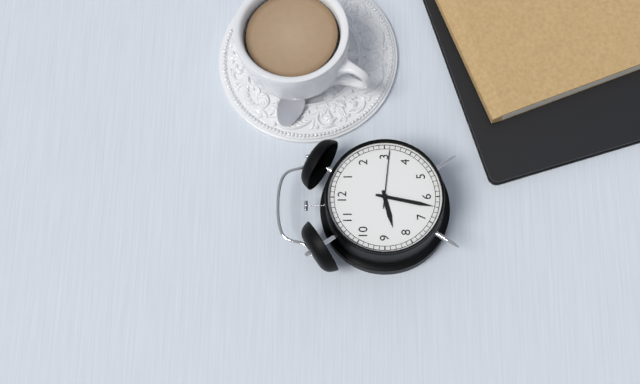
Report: 8 h 32 min 16 s
